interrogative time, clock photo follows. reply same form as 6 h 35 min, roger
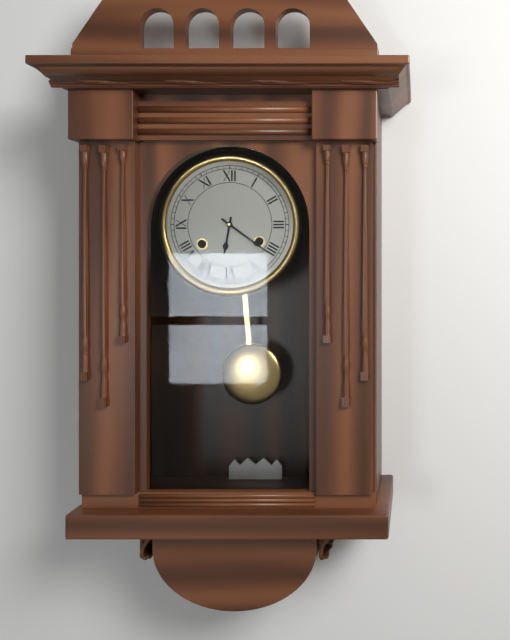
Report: 6 h 21 min
